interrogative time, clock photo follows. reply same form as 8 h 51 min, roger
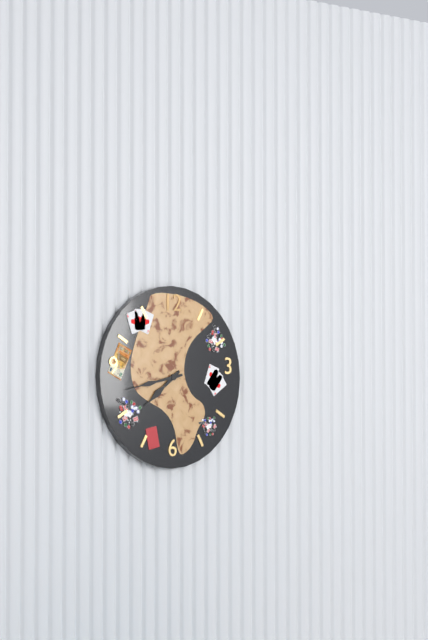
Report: 7 h 43 min
